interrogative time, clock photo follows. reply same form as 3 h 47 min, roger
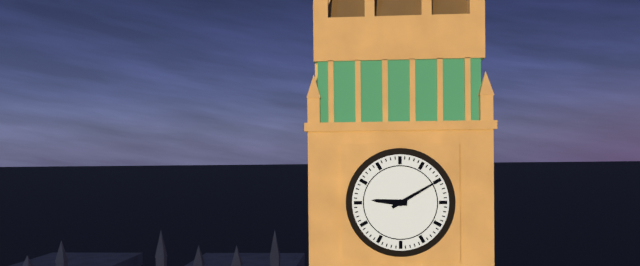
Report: 9 h 10 min
